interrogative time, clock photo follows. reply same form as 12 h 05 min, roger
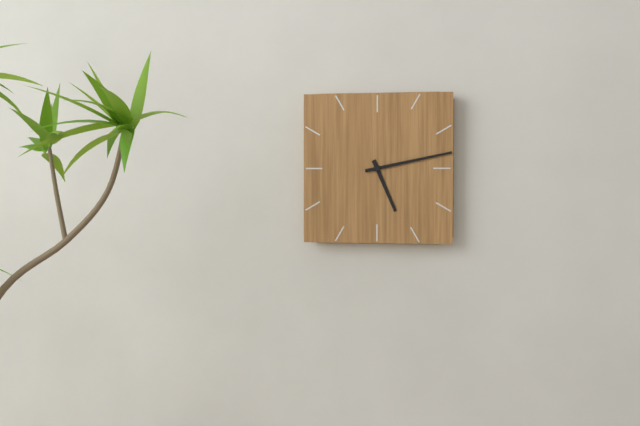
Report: 5 h 13 min
